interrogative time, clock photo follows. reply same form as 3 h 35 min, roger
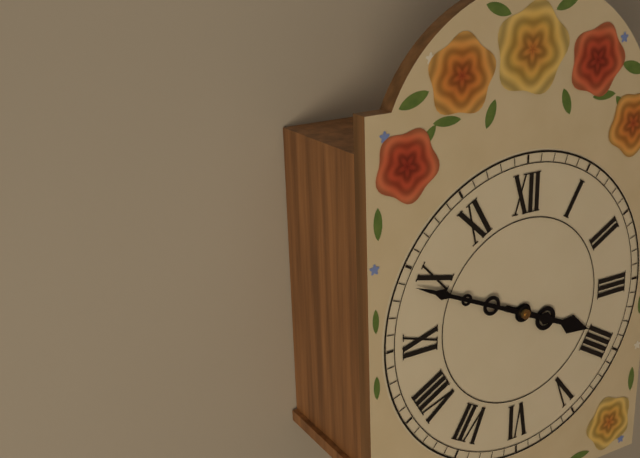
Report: 3 h 49 min
